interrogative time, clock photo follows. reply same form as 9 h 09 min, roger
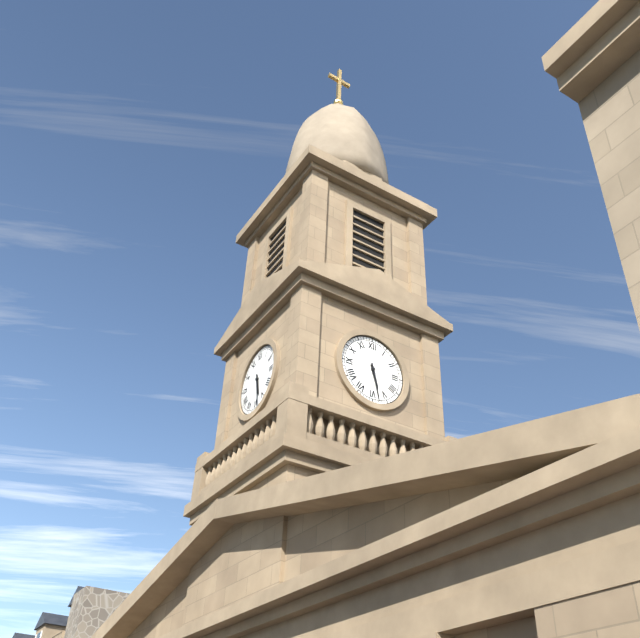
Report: 5 h 28 min
